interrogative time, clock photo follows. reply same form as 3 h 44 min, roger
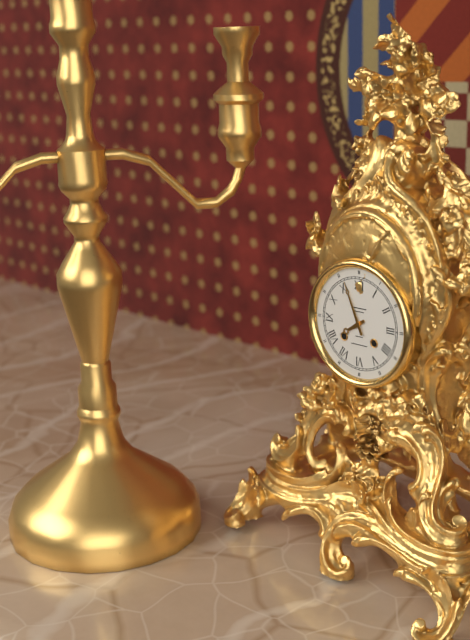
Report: 7 h 56 min
